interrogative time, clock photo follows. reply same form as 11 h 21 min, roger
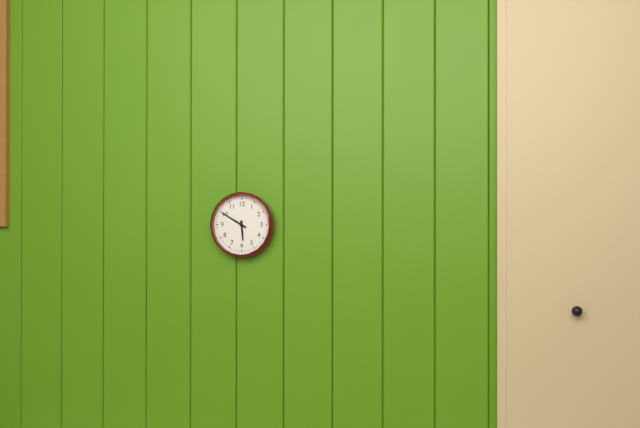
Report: 5 h 50 min
